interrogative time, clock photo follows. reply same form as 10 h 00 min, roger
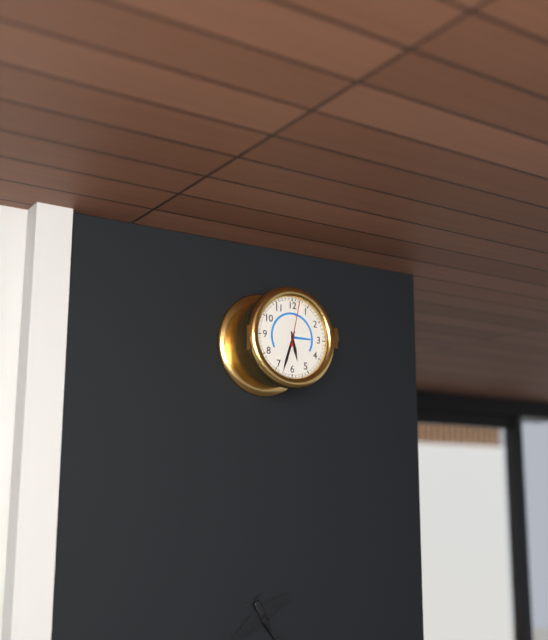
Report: 5 h 33 min
